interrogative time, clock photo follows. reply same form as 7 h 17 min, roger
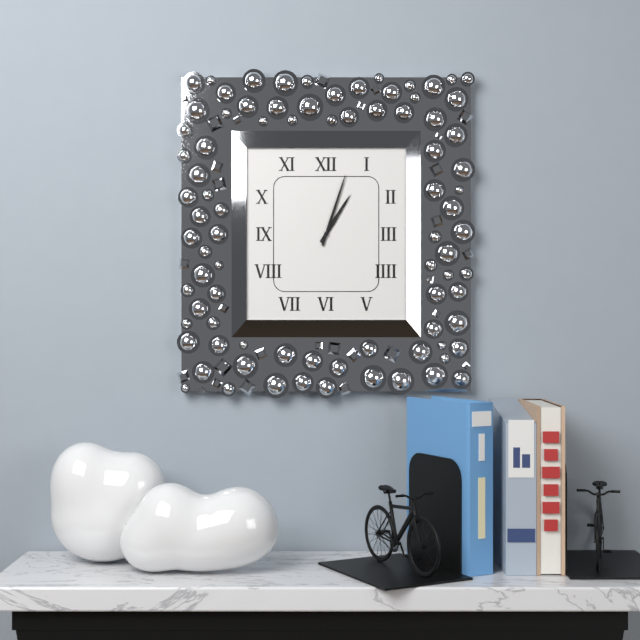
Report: 1 h 03 min
